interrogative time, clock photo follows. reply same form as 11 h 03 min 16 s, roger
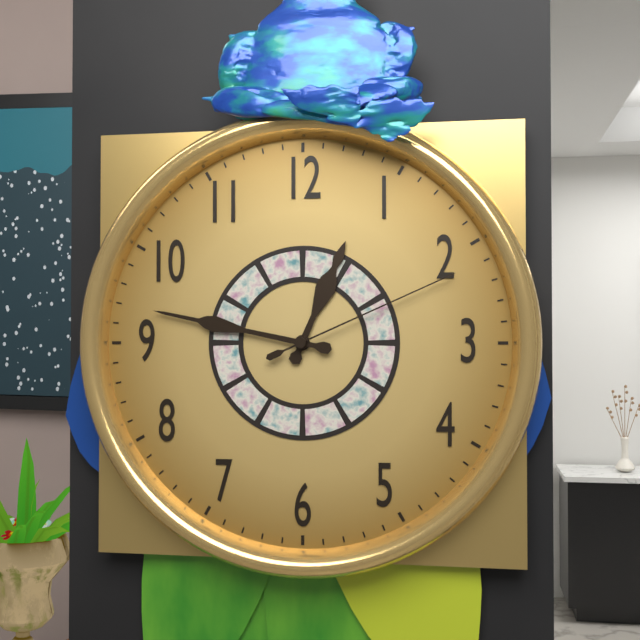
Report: 12 h 47 min 11 s
